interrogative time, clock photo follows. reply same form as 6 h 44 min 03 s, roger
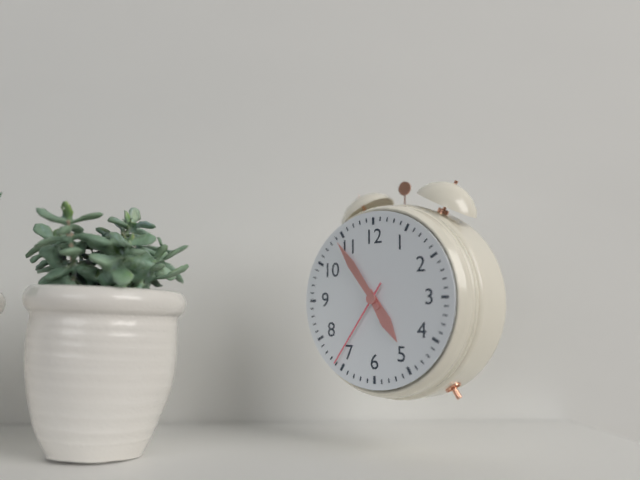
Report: 4 h 54 min 36 s
